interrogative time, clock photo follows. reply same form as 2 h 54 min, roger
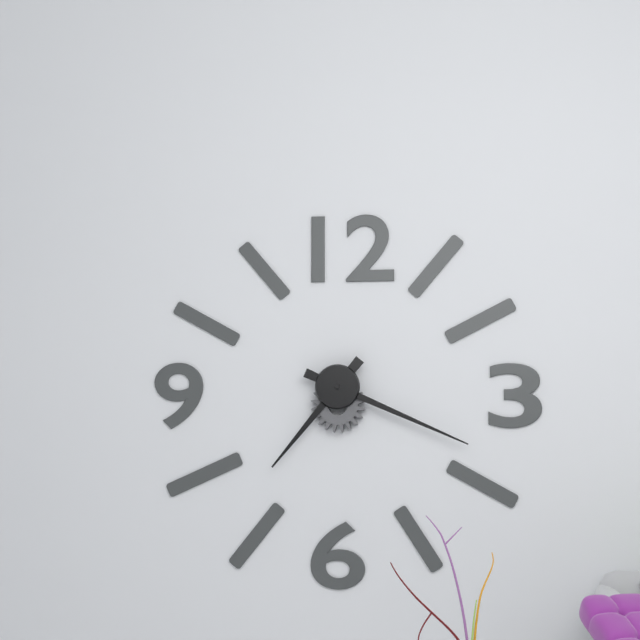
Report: 7 h 19 min
